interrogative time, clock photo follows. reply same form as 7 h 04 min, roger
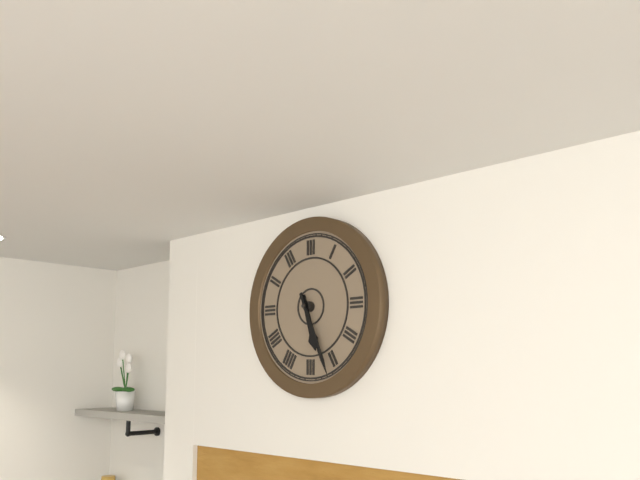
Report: 5 h 26 min
